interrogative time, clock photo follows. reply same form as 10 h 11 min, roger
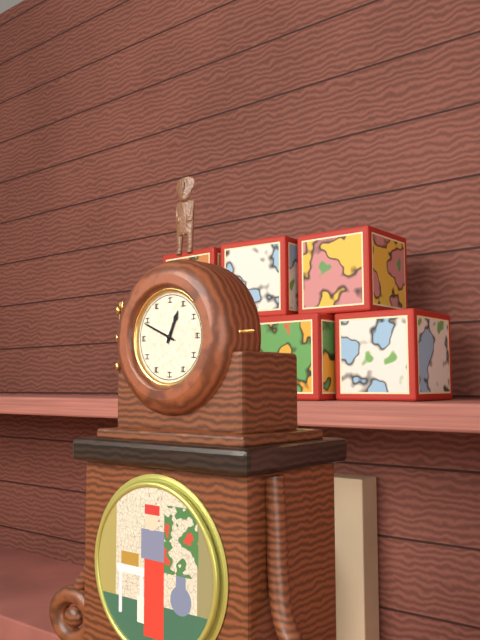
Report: 12 h 49 min
